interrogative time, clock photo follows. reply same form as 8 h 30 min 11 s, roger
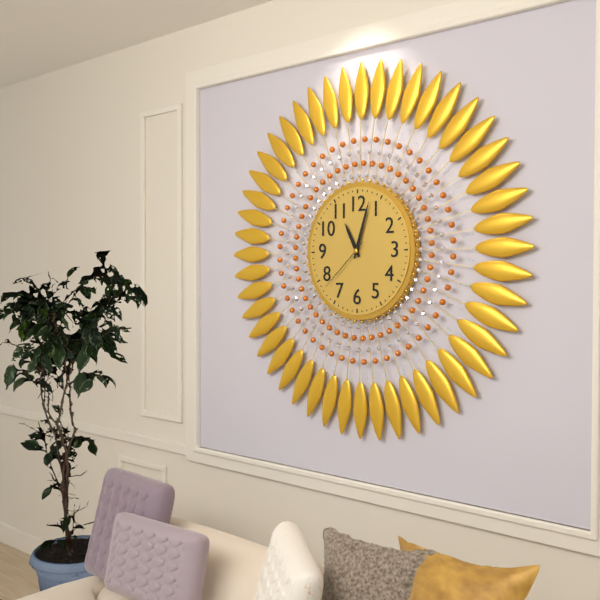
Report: 11 h 03 min 38 s
